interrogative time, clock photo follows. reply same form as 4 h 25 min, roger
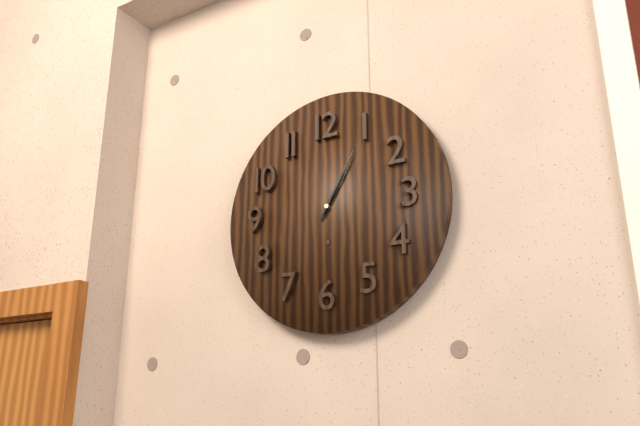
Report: 1 h 05 min
